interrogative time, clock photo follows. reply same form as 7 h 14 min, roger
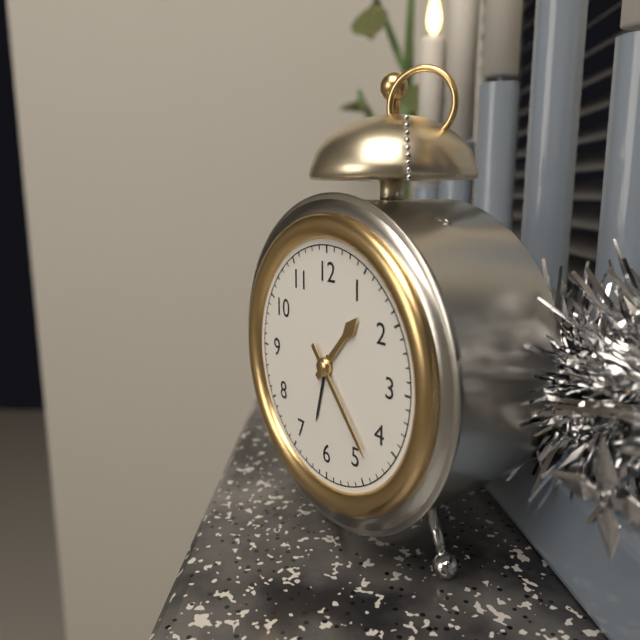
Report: 1 h 23 min
